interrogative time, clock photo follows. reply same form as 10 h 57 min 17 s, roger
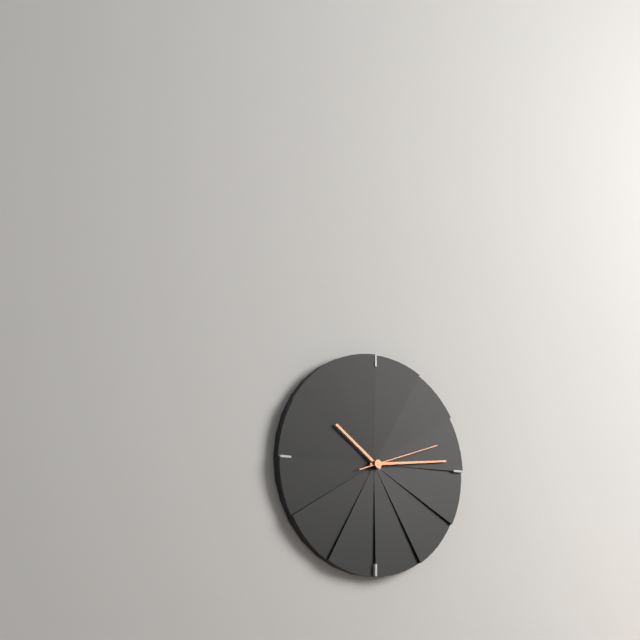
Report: 10 h 14 min 12 s
